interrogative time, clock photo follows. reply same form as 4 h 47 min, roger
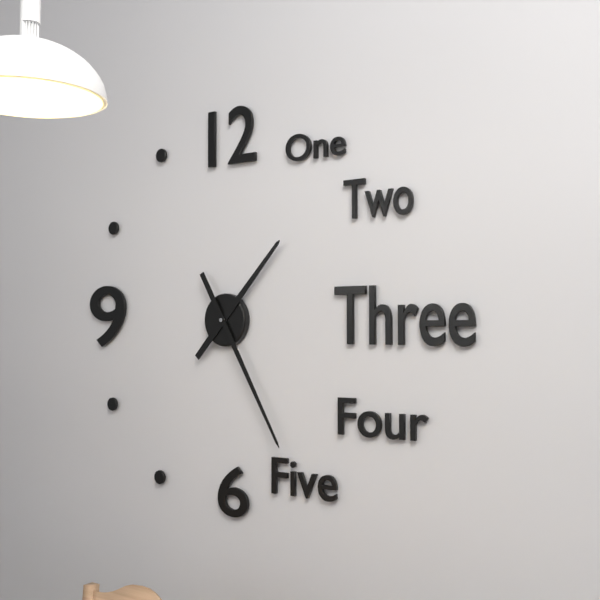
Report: 1 h 25 min
